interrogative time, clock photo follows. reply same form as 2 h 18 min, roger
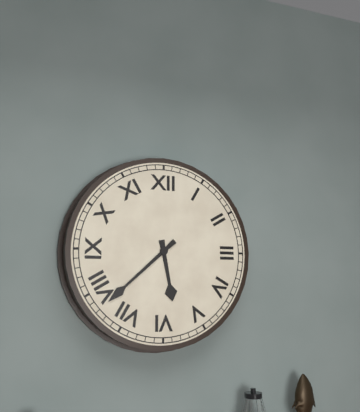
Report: 5 h 38 min
